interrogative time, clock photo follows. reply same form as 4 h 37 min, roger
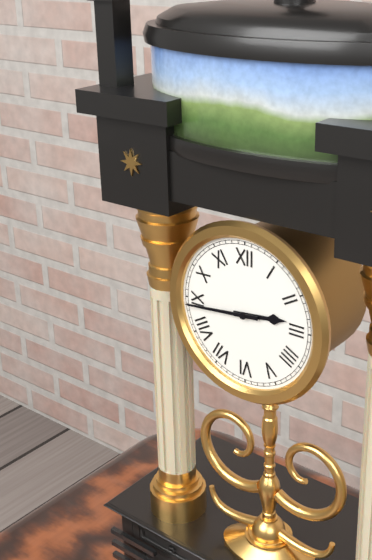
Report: 2 h 44 min
